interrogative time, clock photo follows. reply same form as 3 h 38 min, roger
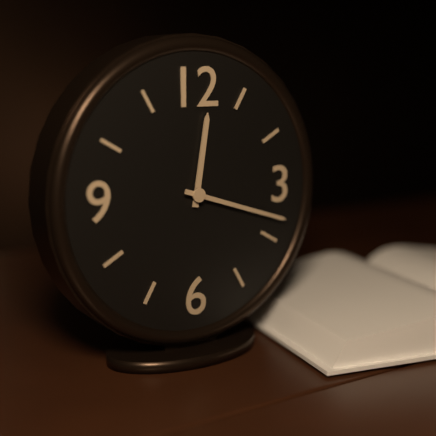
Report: 12 h 18 min
